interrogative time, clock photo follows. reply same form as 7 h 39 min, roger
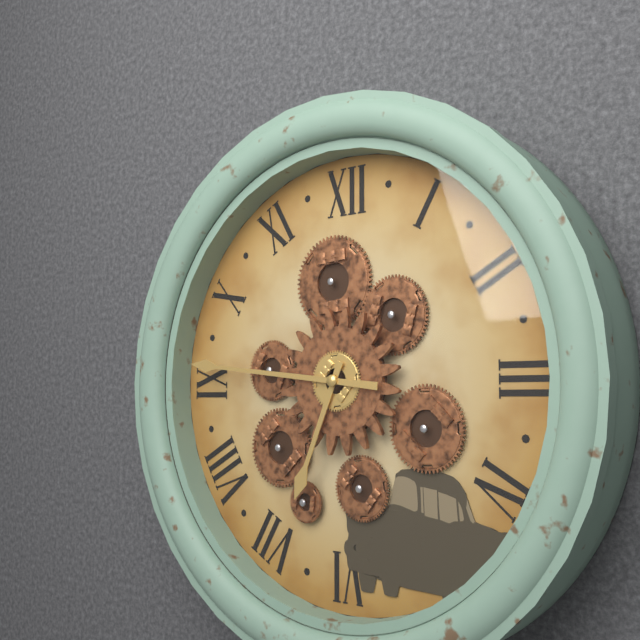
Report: 6 h 46 min
